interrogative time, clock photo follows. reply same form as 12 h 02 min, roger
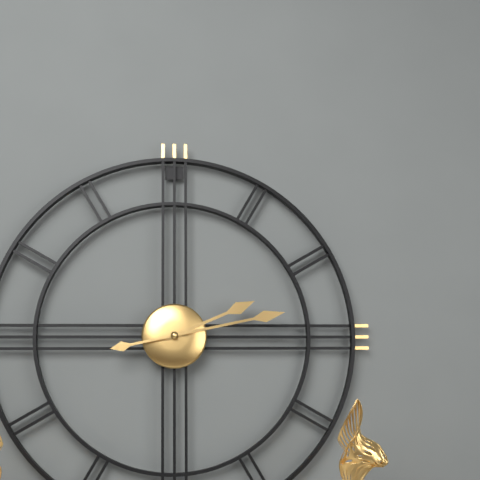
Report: 2 h 13 min
